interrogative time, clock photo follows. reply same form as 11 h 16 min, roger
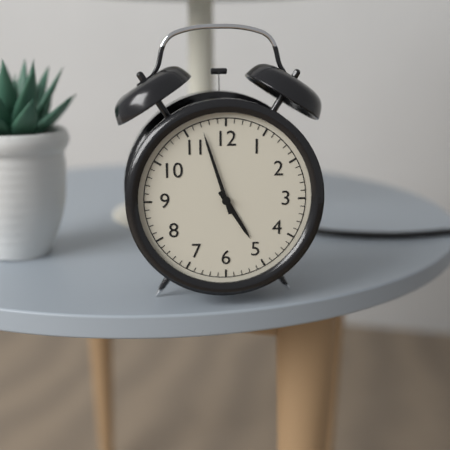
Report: 4 h 57 min
